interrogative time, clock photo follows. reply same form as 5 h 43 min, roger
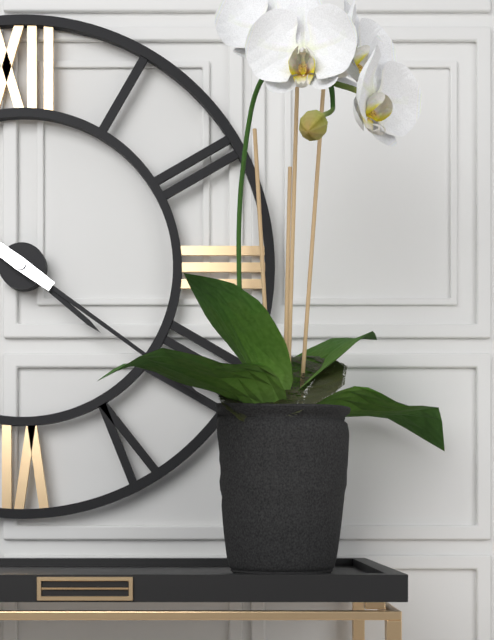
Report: 4 h 21 min
